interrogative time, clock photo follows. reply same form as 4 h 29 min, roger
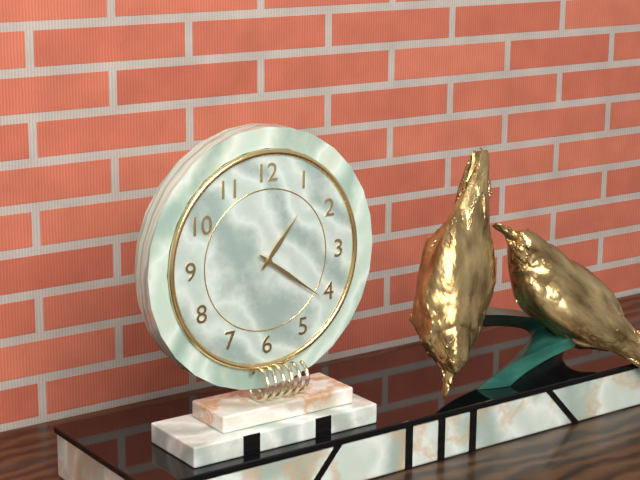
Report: 1 h 21 min
